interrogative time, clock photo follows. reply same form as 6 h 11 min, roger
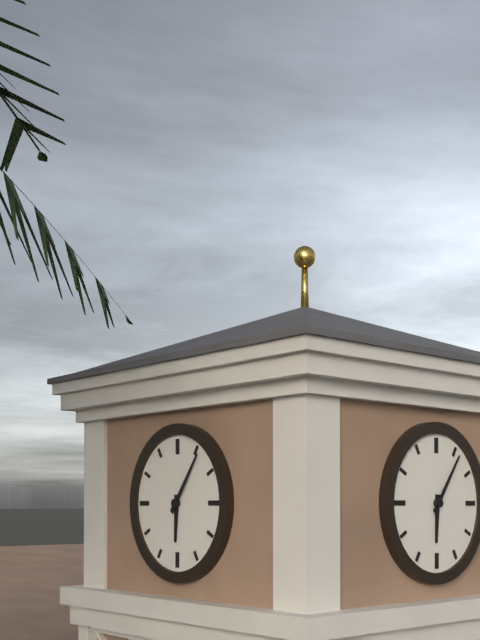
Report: 6 h 06 min
